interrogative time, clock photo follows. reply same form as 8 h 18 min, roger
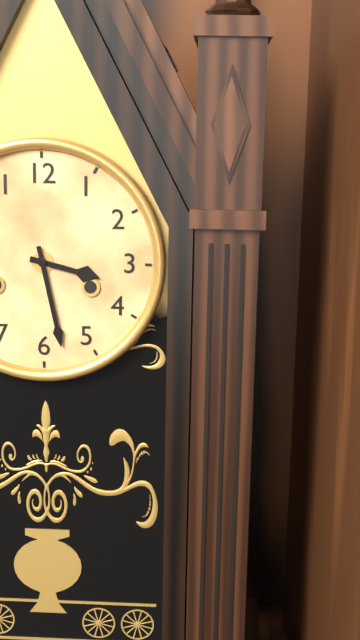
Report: 3 h 28 min
